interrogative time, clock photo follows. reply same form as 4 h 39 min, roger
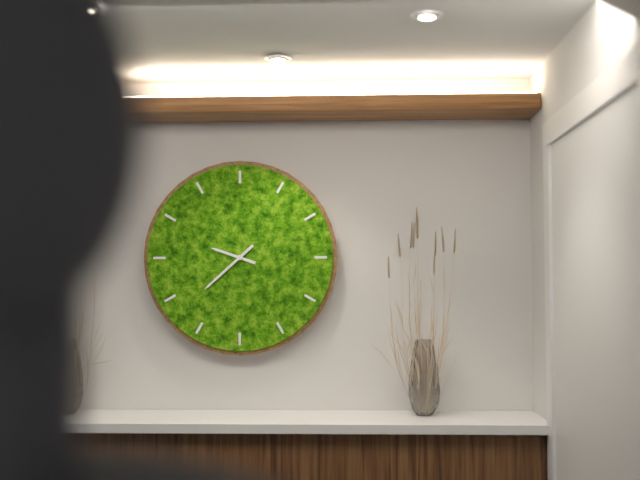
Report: 9 h 38 min
